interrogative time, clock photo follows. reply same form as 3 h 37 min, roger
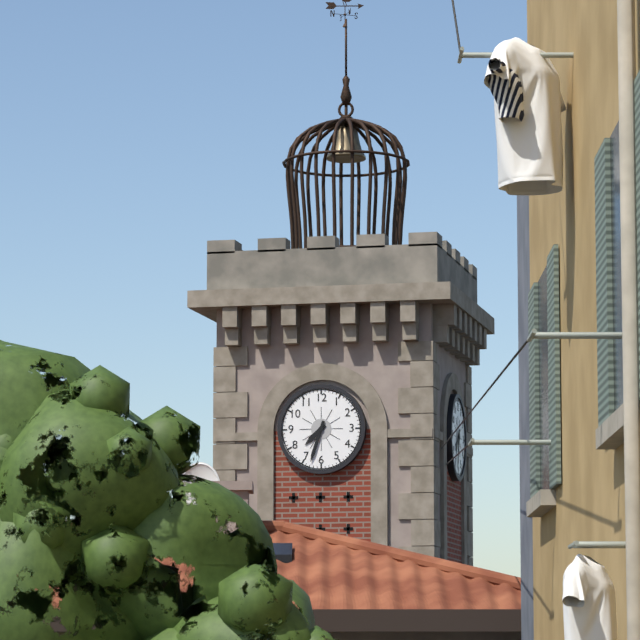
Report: 7 h 33 min
